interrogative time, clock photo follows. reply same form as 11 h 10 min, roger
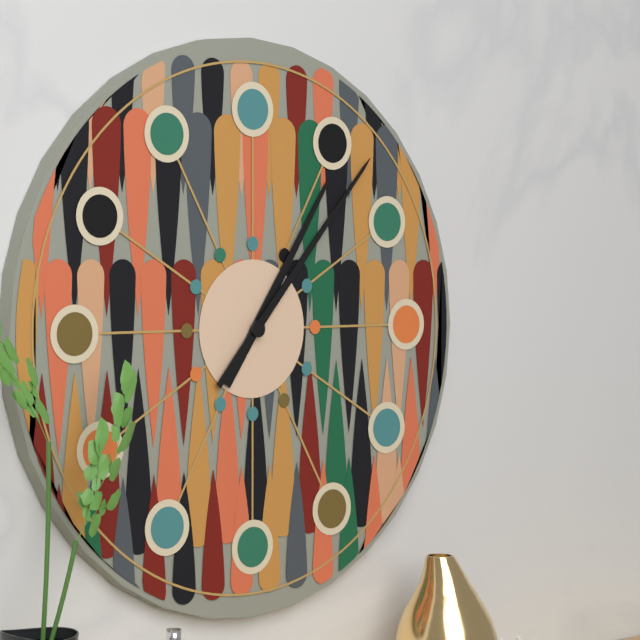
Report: 1 h 07 min
